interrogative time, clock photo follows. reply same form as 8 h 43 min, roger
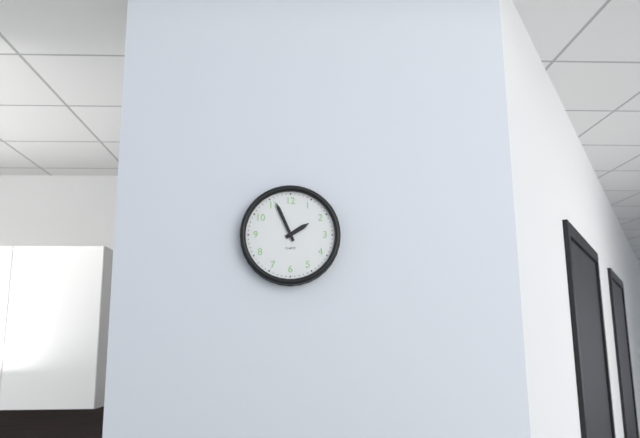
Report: 1 h 56 min
